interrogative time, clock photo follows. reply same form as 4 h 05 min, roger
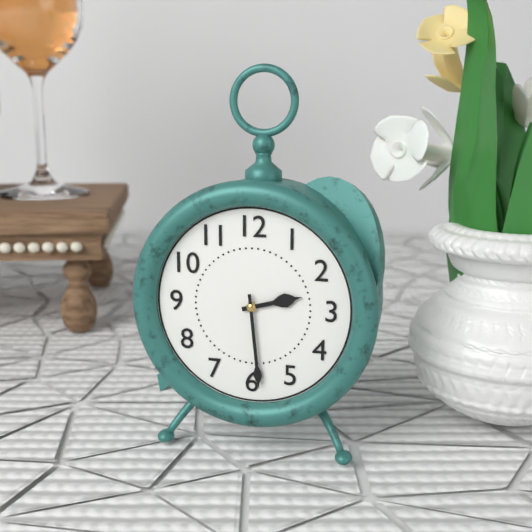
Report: 2 h 29 min
